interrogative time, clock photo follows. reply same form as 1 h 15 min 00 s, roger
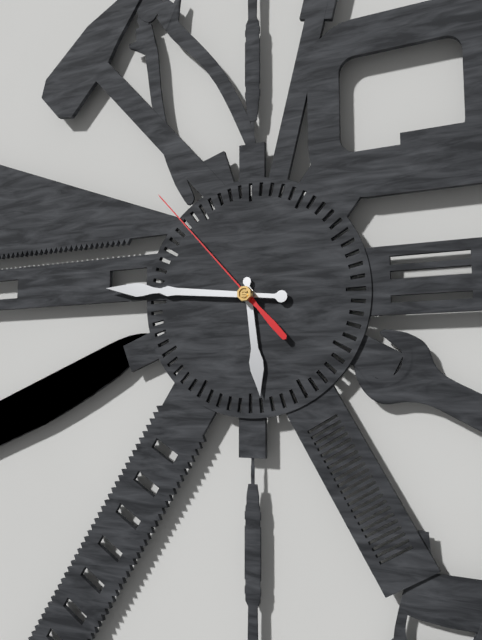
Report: 5 h 46 min 53 s
